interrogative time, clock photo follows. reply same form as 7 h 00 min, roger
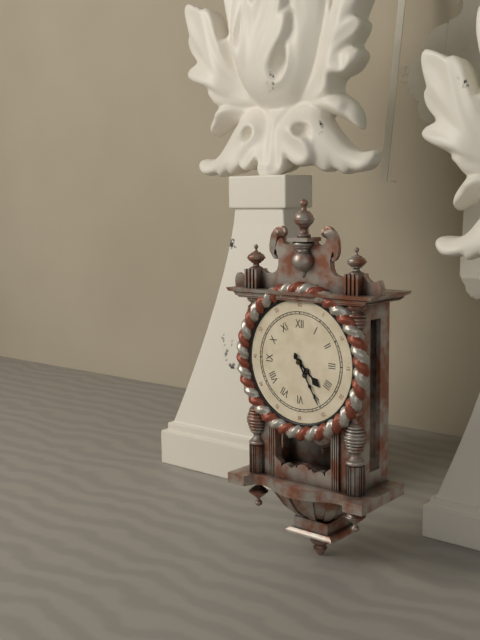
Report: 4 h 25 min
